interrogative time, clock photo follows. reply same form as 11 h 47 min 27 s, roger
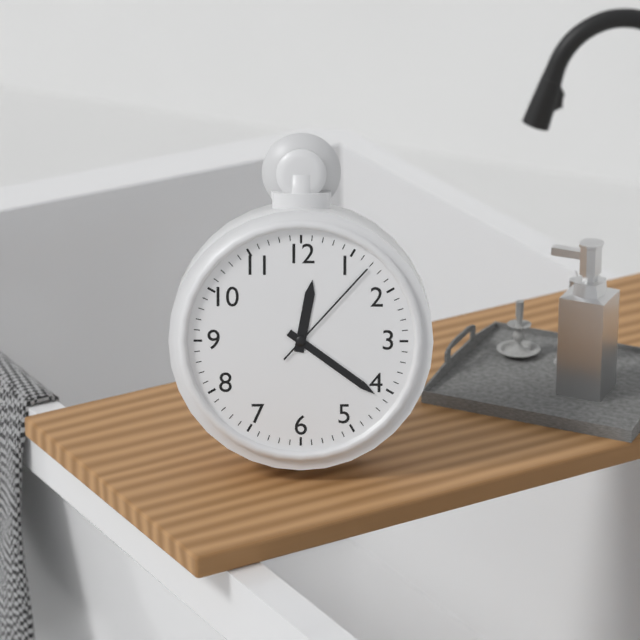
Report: 12 h 21 min 07 s
